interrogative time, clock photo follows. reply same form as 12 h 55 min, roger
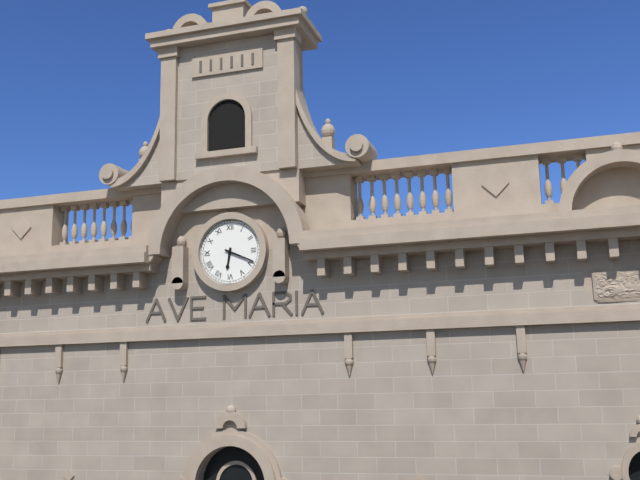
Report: 6 h 19 min
